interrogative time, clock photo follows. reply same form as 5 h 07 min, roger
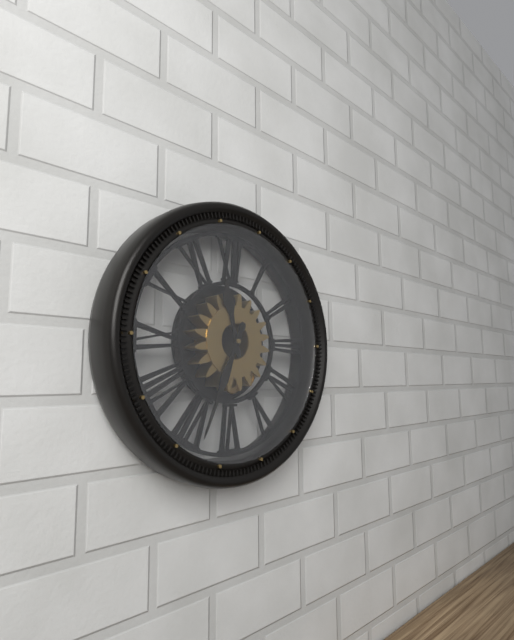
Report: 11 h 34 min
